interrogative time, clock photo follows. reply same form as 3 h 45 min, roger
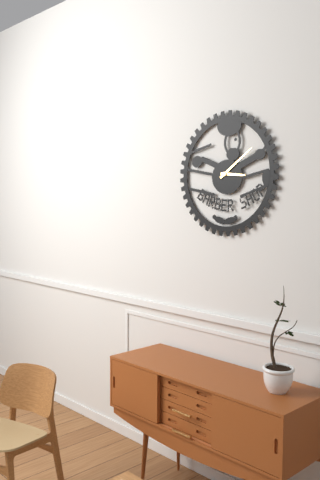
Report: 3 h 09 min
